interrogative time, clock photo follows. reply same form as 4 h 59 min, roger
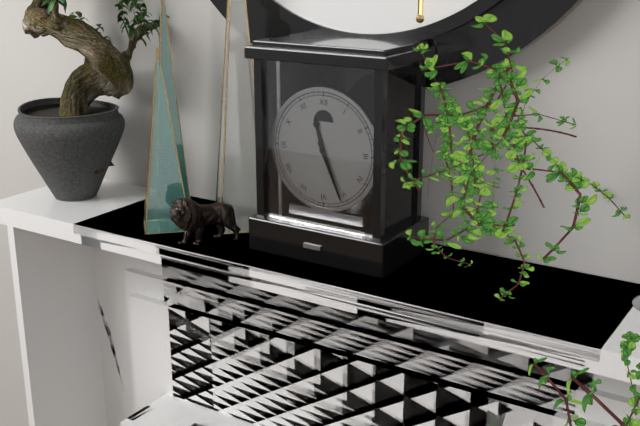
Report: 11 h 26 min
